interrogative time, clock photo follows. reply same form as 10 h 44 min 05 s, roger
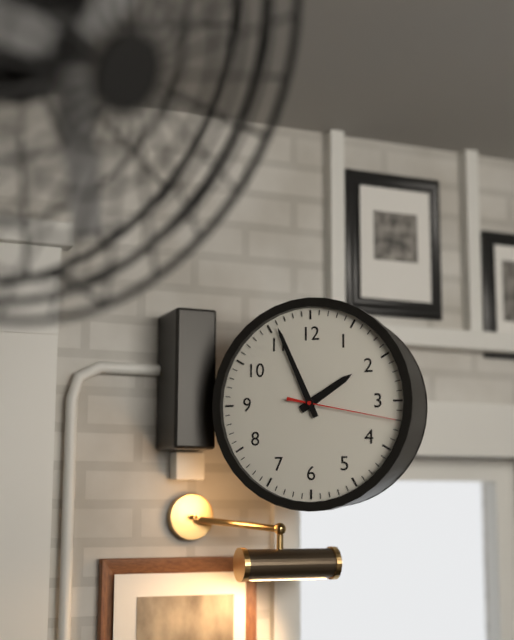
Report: 1 h 56 min 17 s
